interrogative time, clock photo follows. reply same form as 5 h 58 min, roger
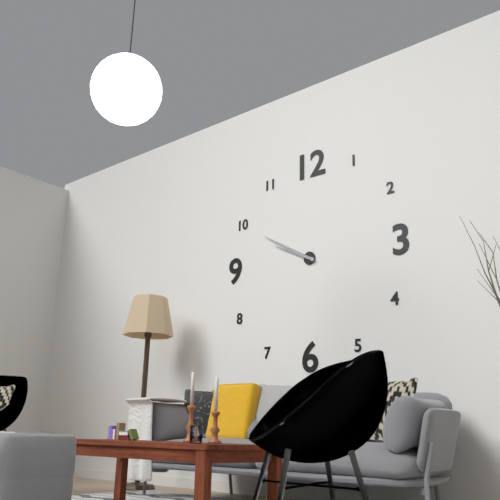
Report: 9 h 50 min
